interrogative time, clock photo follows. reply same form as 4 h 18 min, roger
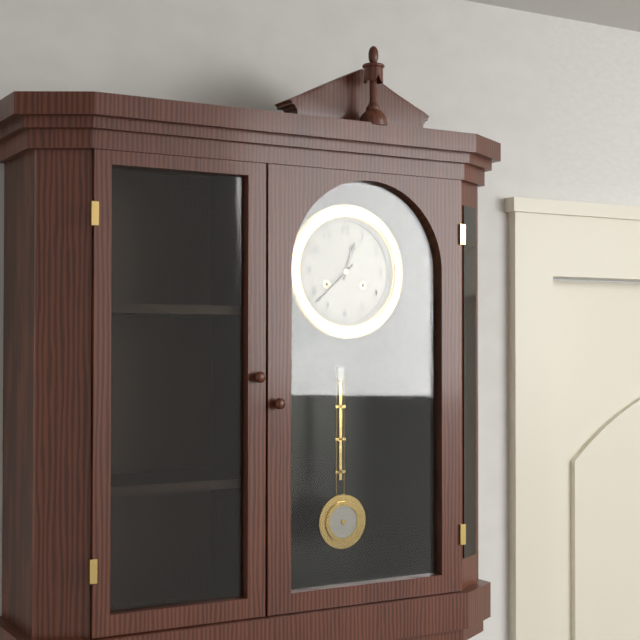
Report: 12 h 38 min
